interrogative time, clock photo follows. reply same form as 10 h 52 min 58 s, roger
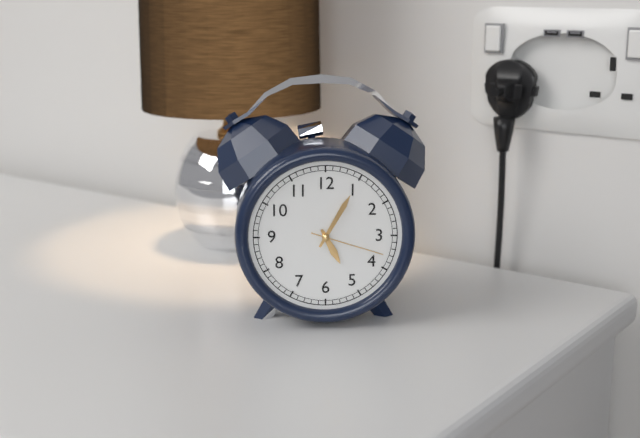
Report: 5 h 05 min 18 s
